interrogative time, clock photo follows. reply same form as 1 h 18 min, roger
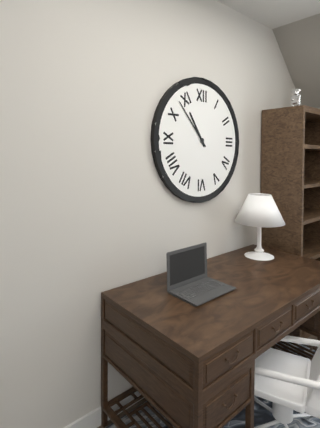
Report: 10 h 53 min
